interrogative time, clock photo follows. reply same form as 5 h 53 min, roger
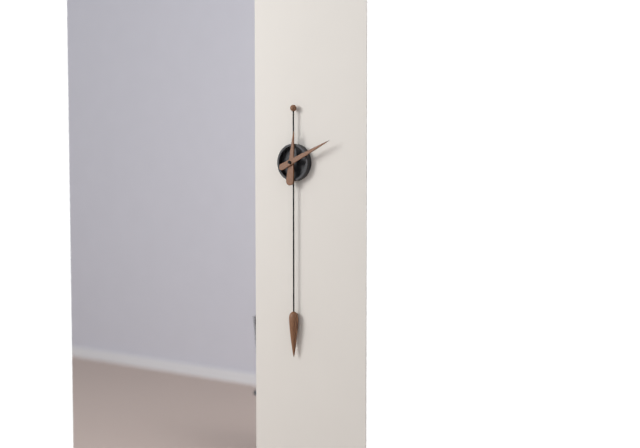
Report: 12 h 11 min
